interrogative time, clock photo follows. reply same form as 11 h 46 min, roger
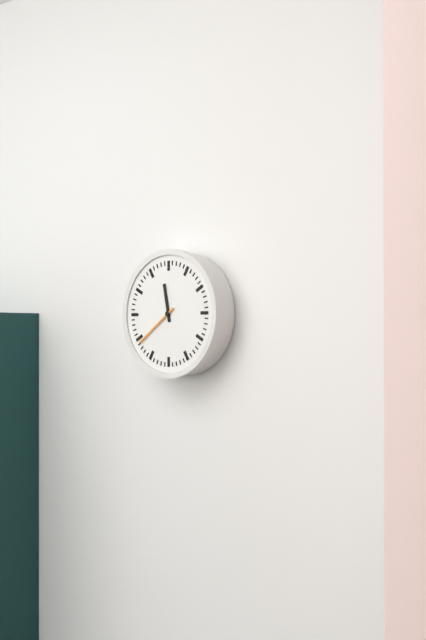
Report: 11 h 39 min
